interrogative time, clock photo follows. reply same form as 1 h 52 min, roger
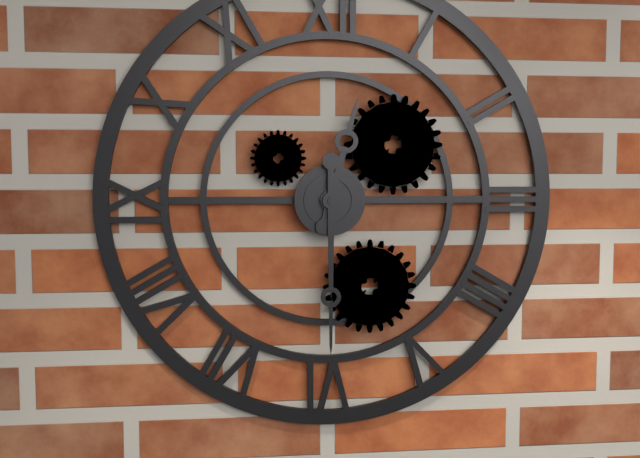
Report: 12 h 30 min
